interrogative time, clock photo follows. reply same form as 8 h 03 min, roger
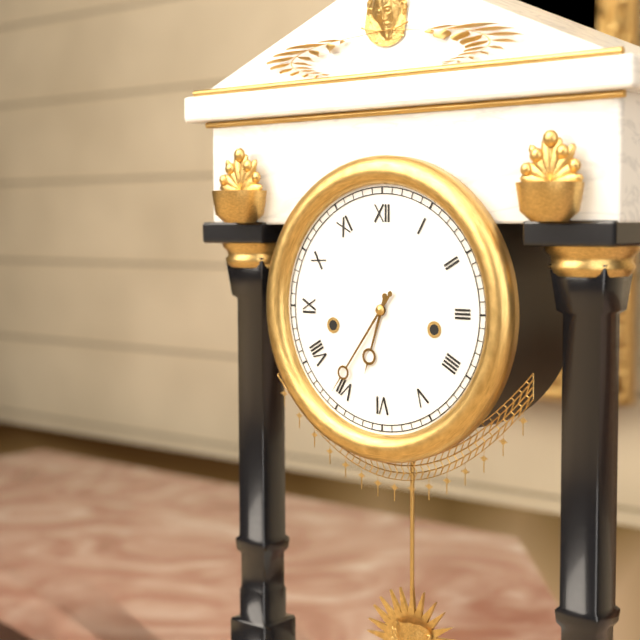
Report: 6 h 36 min
